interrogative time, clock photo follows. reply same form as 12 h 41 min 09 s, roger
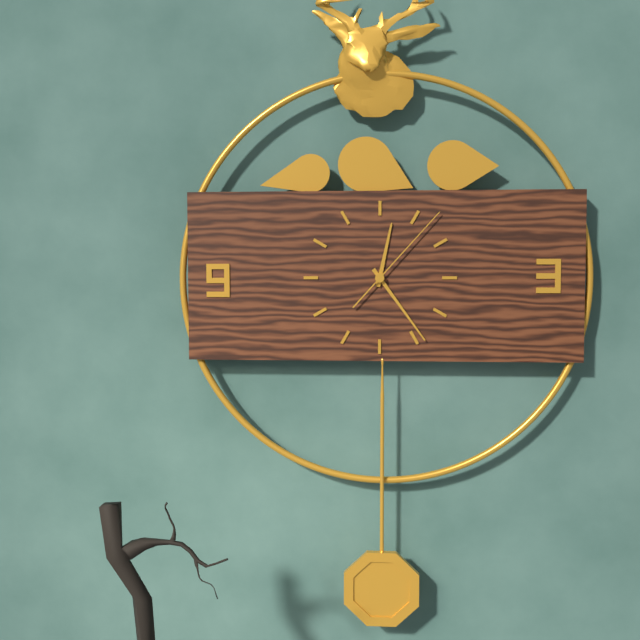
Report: 12 h 24 min 07 s
